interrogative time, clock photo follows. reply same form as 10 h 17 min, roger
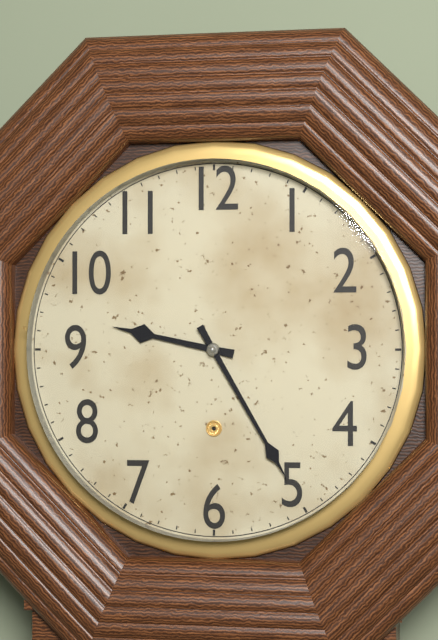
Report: 9 h 25 min
